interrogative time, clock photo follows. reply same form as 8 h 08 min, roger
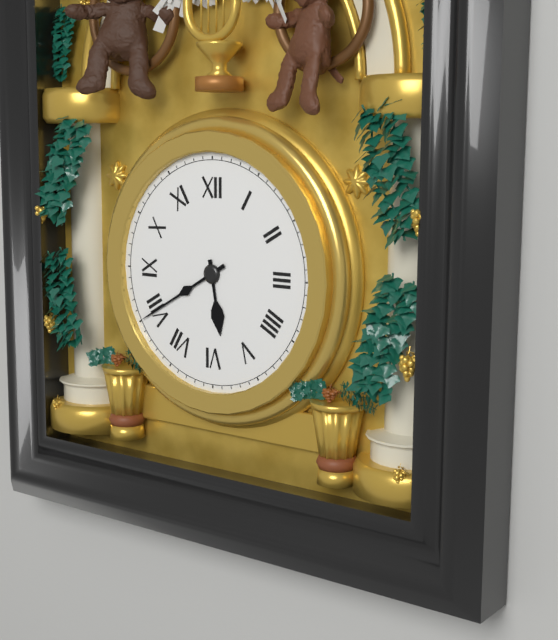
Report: 5 h 40 min
